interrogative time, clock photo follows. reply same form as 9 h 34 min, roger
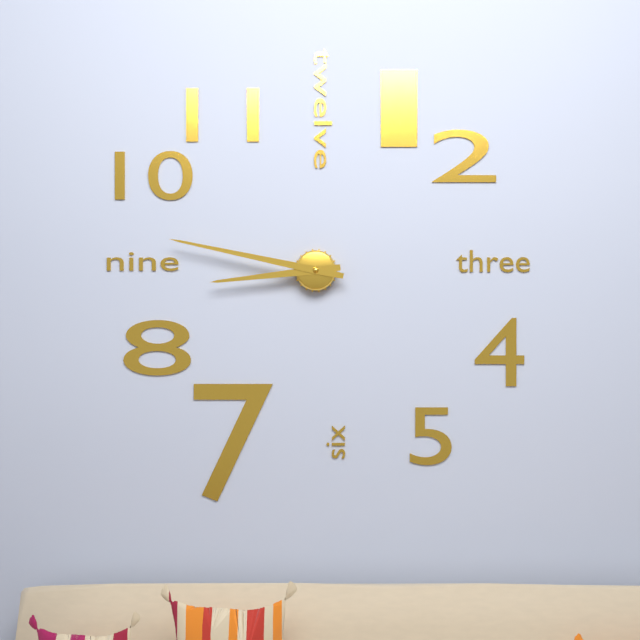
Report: 8 h 47 min
